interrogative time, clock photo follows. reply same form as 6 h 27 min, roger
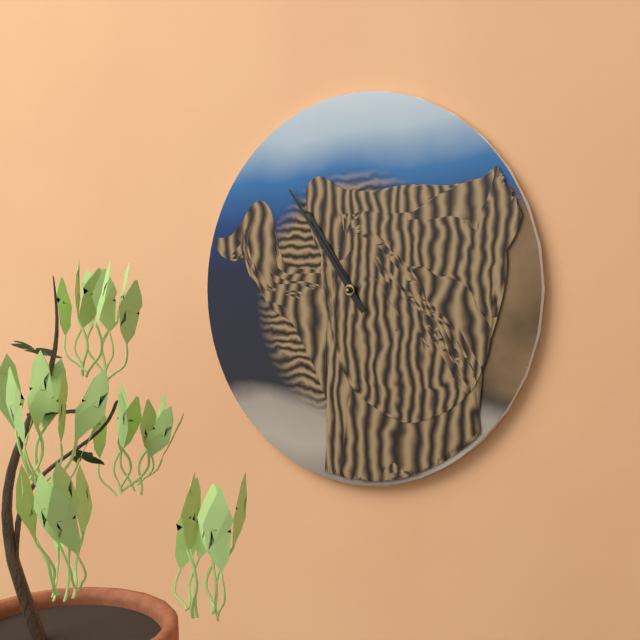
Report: 10 h 54 min
